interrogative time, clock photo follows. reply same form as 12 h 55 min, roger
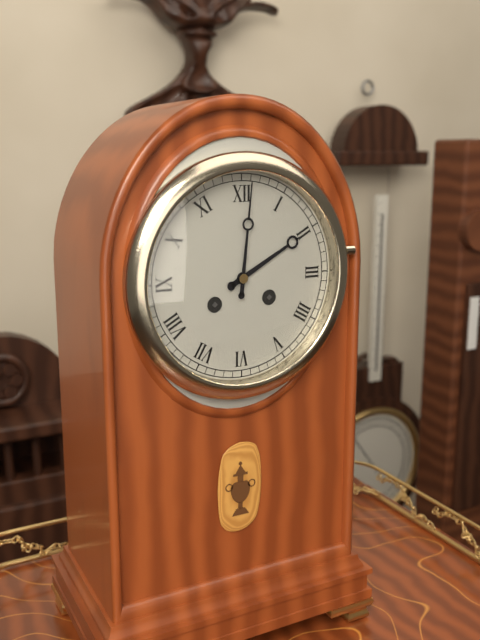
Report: 2 h 01 min
